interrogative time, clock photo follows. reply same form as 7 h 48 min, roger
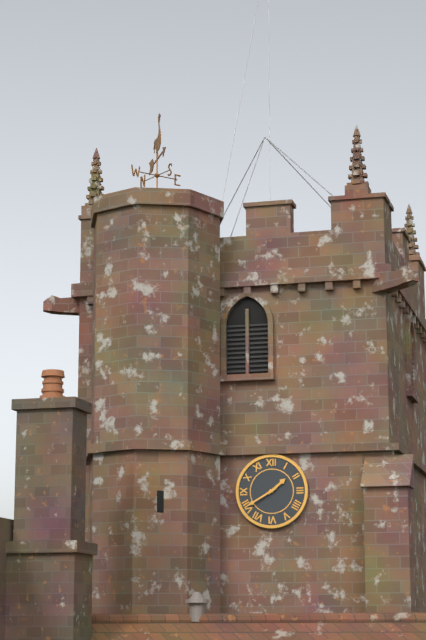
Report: 1 h 40 min
